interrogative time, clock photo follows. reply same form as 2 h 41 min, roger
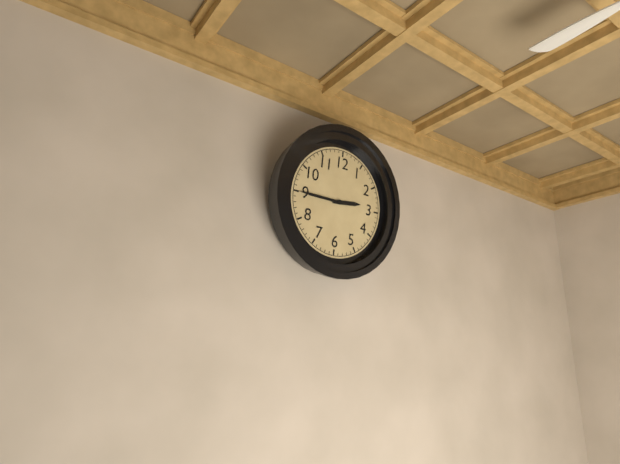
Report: 2 h 45 min
